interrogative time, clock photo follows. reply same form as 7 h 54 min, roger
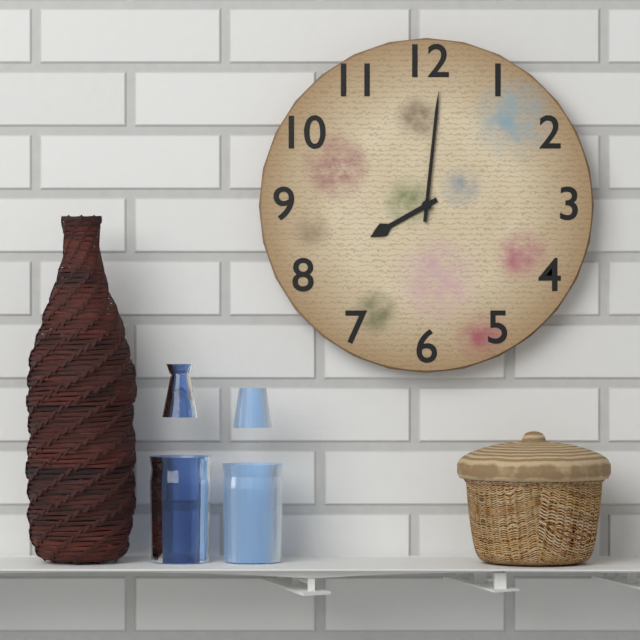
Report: 8 h 01 min
